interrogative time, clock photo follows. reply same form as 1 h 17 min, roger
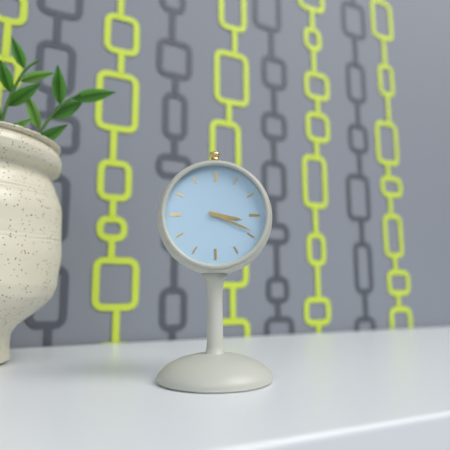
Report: 3 h 19 min
